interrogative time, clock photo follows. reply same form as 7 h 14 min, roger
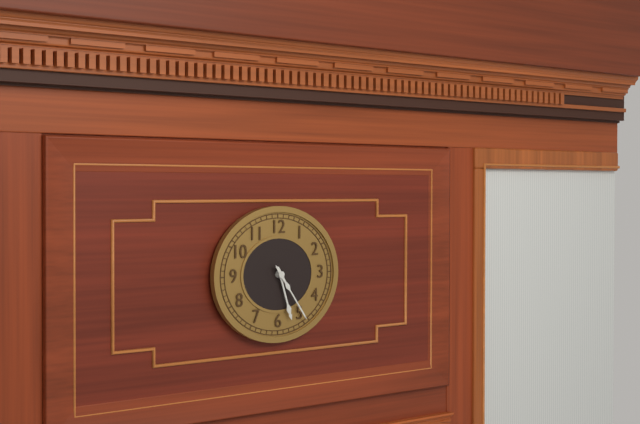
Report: 5 h 24 min
